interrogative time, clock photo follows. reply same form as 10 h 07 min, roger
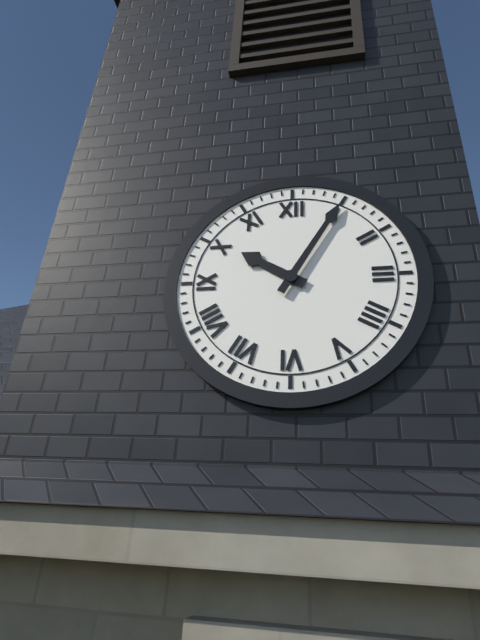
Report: 10 h 05 min
